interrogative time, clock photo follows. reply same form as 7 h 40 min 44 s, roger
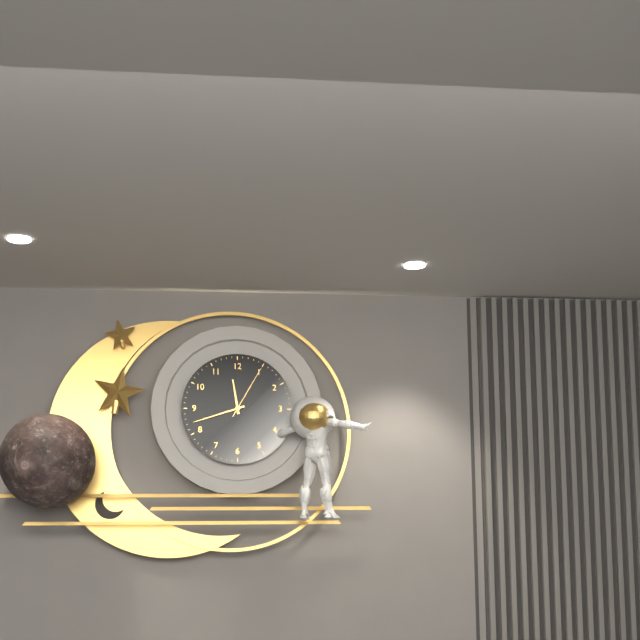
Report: 11 h 42 min 05 s
